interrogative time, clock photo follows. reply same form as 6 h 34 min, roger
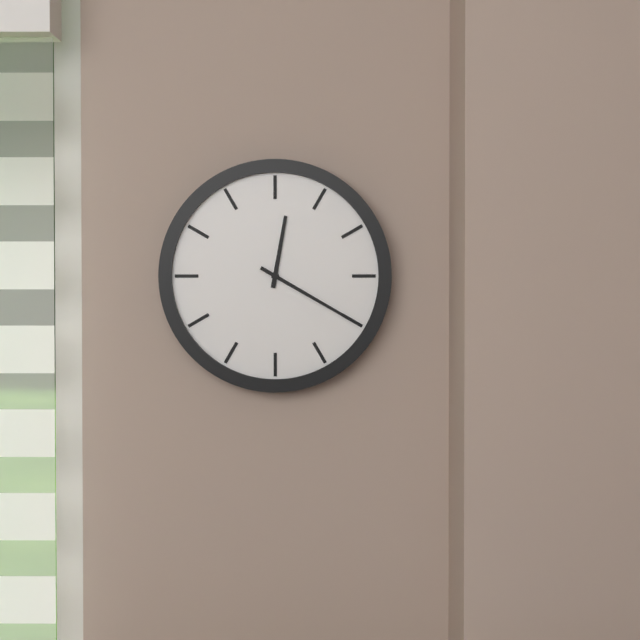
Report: 12 h 20 min
